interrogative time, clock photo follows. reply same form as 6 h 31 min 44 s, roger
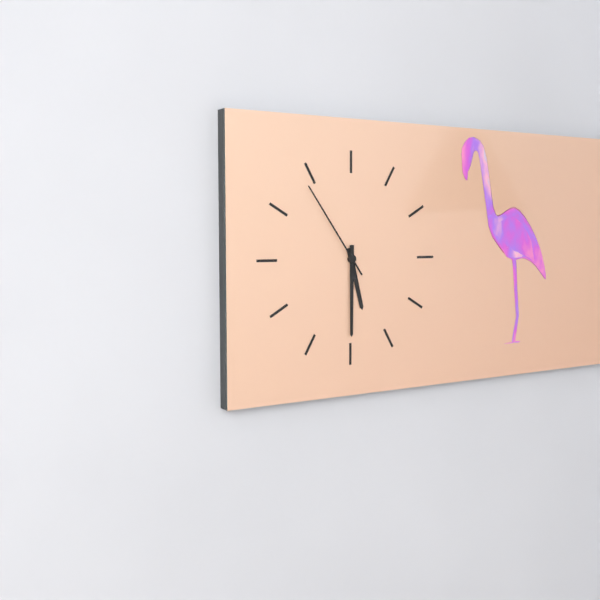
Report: 5 h 30 min 54 s
